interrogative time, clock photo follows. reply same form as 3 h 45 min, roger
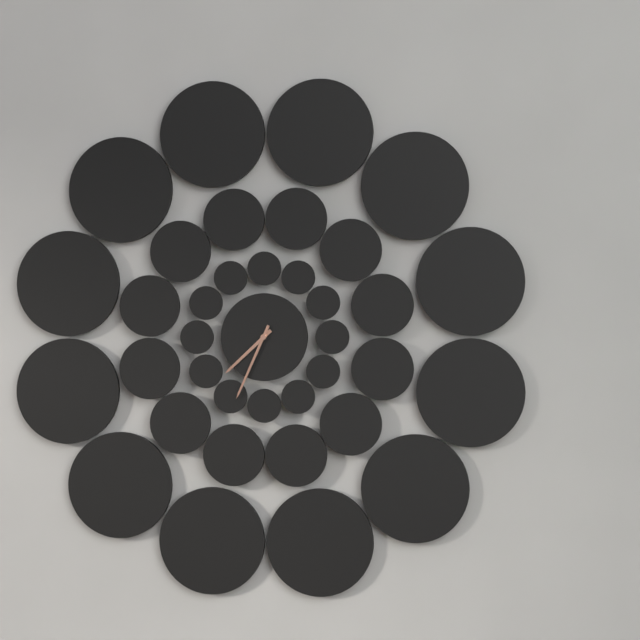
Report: 7 h 34 min
